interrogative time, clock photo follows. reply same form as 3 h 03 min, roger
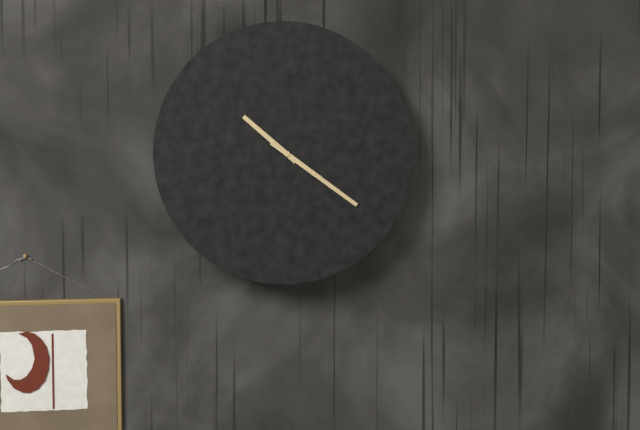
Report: 10 h 21 min
